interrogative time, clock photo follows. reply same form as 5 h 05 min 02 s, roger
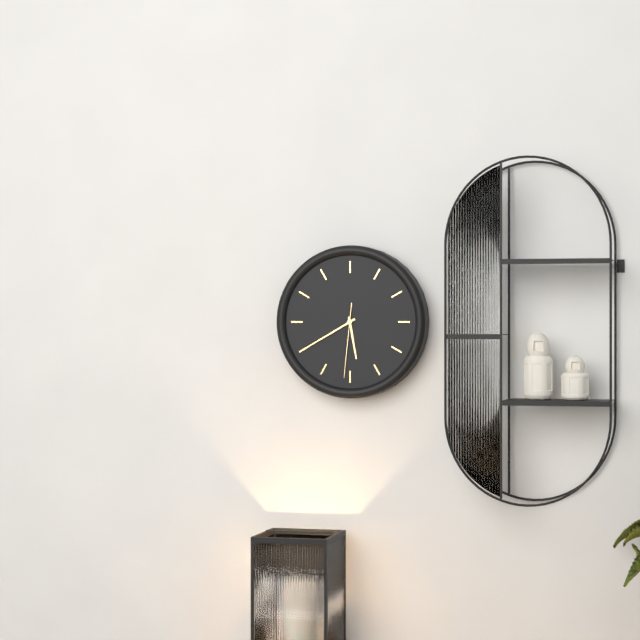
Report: 5 h 40 min 31 s
